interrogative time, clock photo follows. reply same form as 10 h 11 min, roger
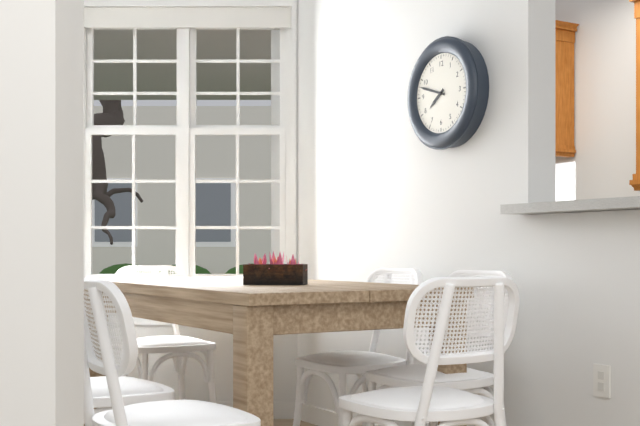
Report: 7 h 48 min
